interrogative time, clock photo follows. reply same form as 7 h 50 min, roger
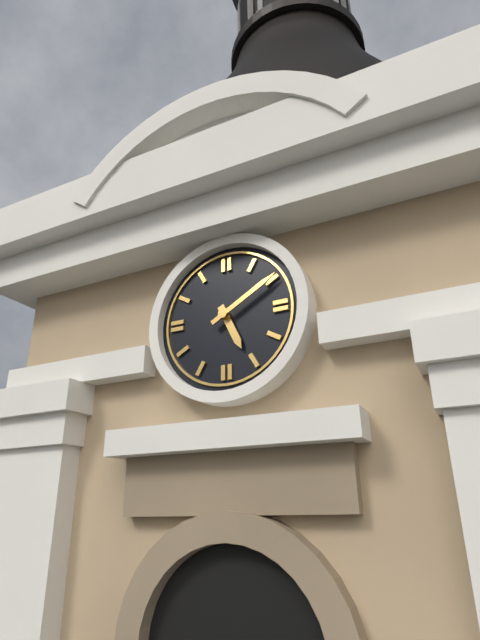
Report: 5 h 10 min
